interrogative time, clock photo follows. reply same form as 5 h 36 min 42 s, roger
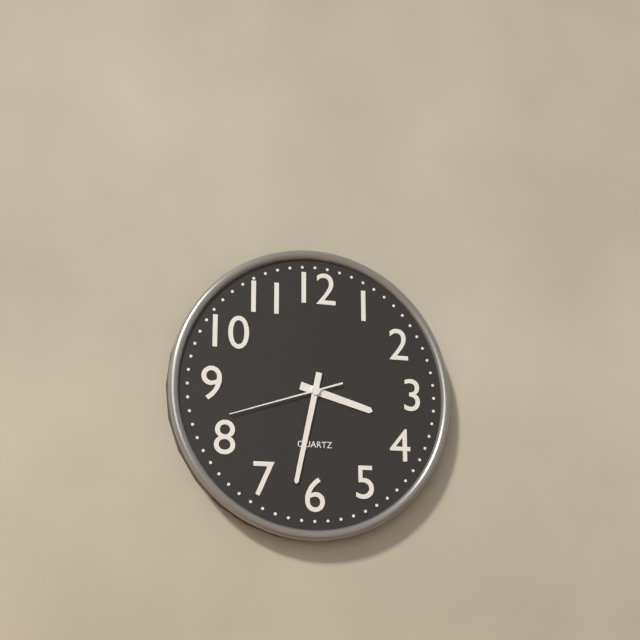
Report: 3 h 32 min 42 s
